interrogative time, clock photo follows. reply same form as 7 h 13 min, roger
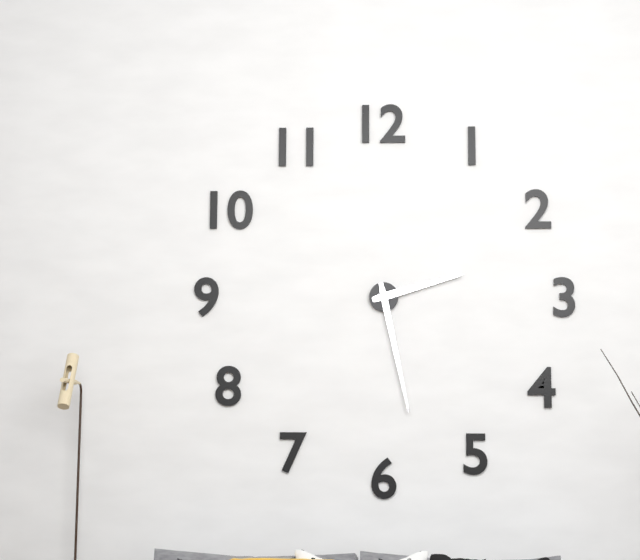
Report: 2 h 28 min
